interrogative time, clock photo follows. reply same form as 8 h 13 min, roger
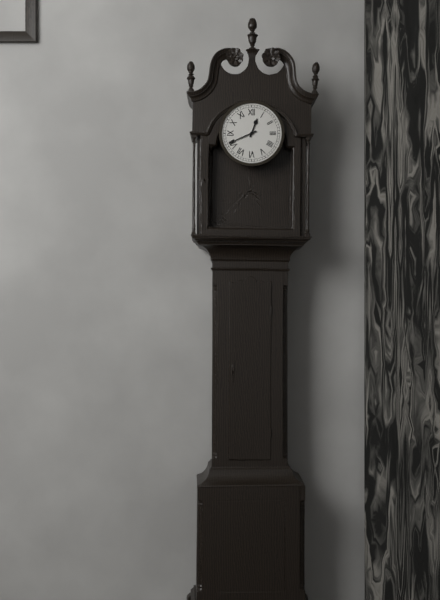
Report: 12 h 41 min
